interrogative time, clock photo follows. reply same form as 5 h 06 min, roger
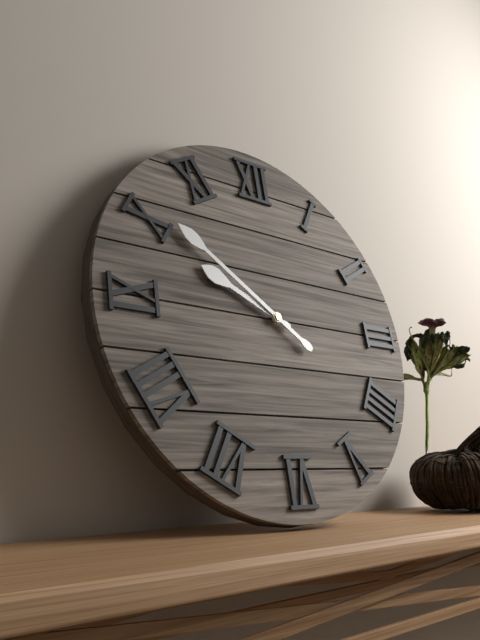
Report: 9 h 51 min
